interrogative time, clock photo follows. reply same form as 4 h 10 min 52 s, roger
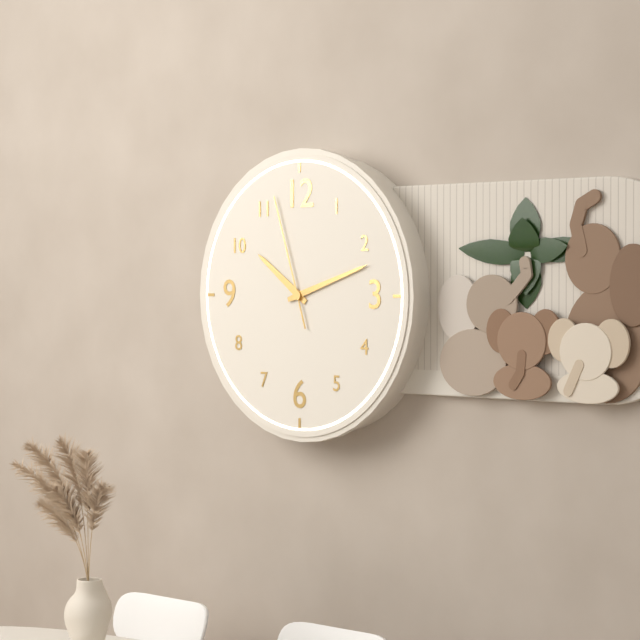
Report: 10 h 12 min 57 s
